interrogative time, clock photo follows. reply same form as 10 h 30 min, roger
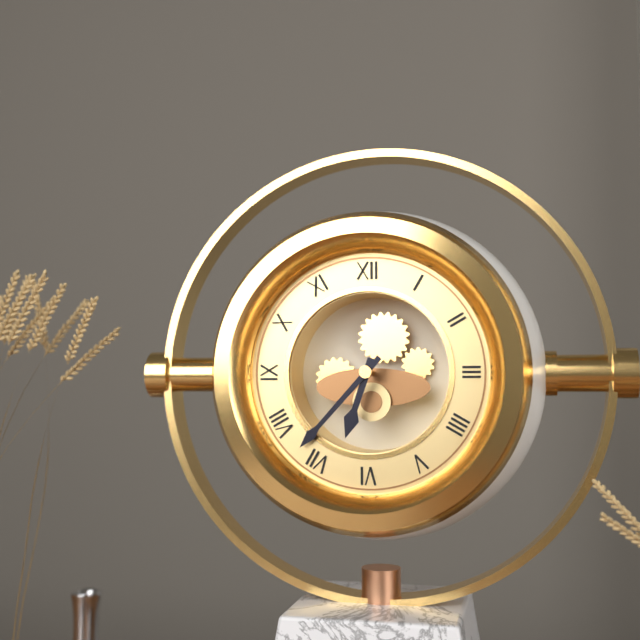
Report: 6 h 37 min
